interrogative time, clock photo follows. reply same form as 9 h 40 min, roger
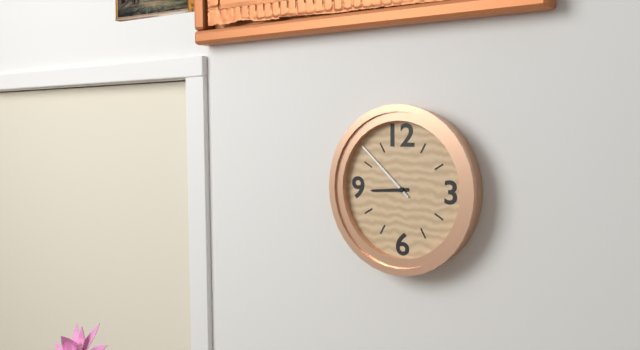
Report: 8 h 52 min
